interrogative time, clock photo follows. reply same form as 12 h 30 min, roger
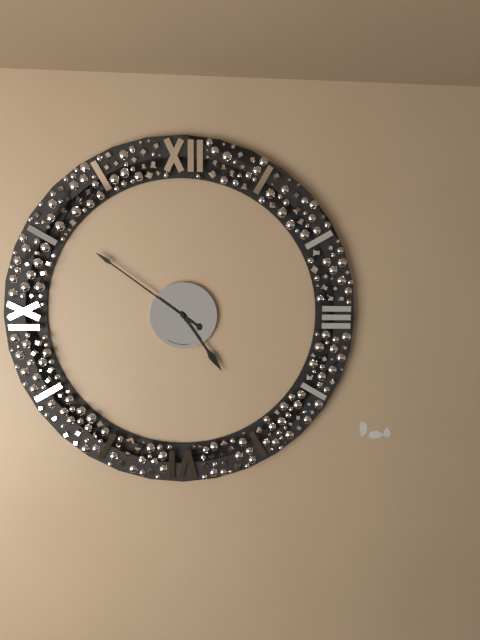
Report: 4 h 51 min
